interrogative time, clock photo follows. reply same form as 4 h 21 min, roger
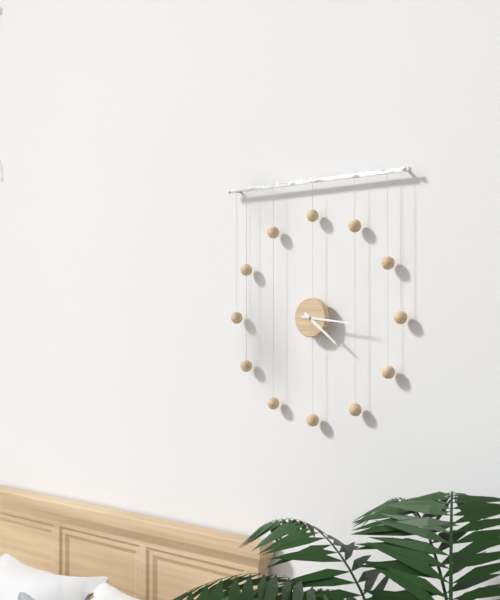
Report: 4 h 16 min
